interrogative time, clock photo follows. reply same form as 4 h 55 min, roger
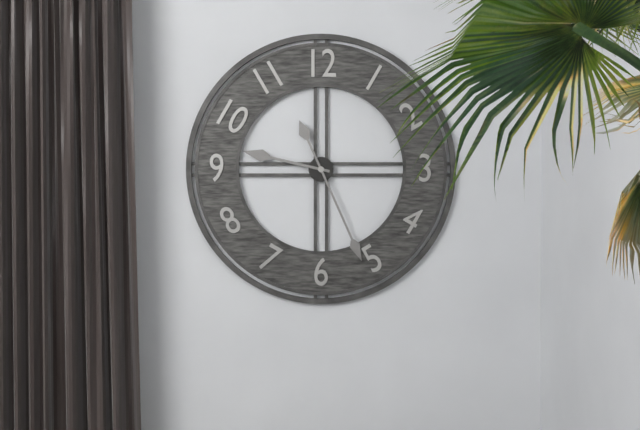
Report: 9 h 26 min
